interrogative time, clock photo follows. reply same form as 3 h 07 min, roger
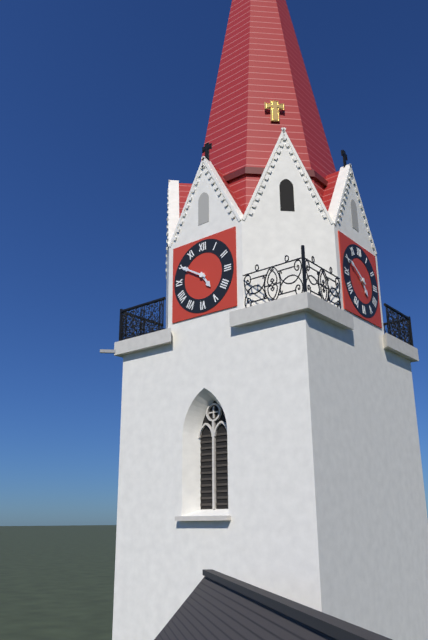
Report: 4 h 50 min
